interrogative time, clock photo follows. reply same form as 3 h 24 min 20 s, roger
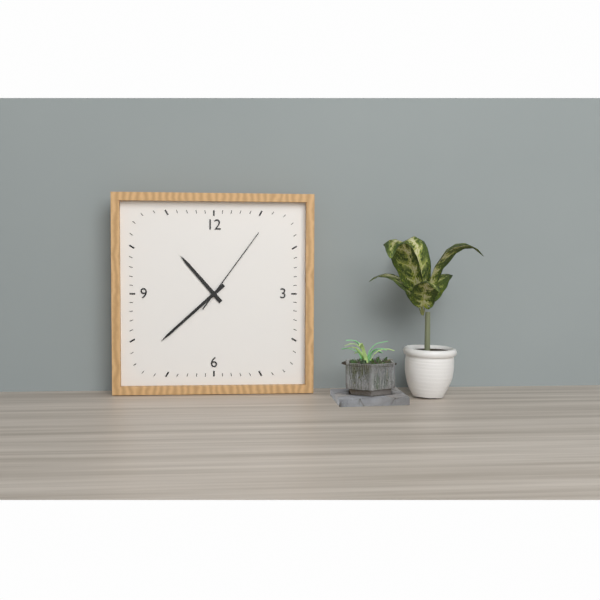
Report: 10 h 38 min 06 s
